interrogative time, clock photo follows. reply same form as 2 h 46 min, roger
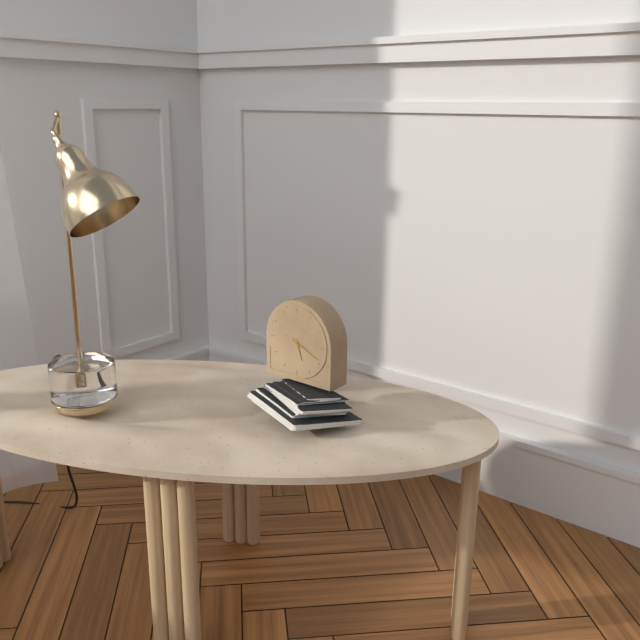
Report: 5 h 19 min
